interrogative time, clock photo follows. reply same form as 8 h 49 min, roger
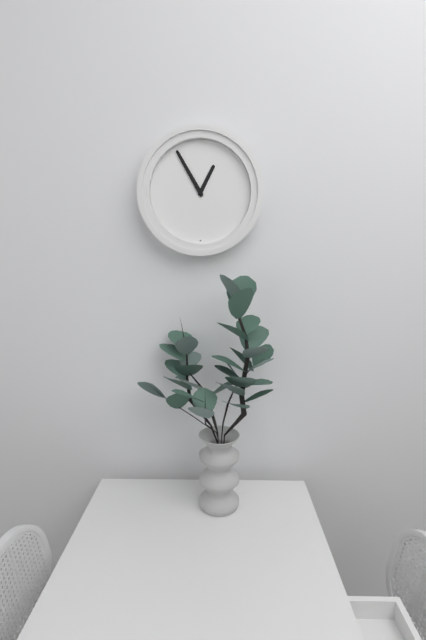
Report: 12 h 55 min
